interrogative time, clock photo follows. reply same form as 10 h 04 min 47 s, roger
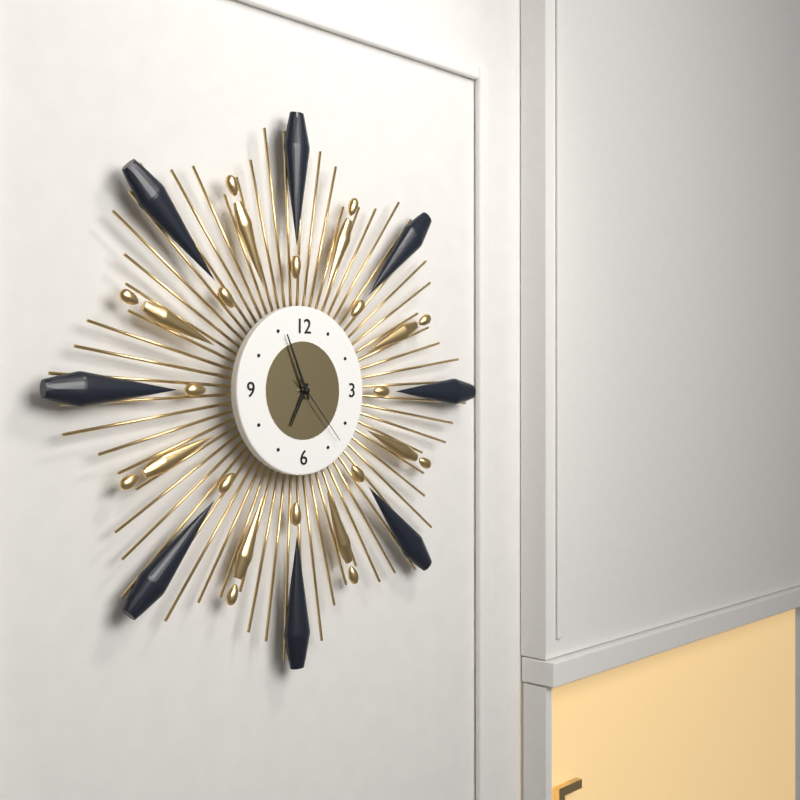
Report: 6 h 56 min 23 s
